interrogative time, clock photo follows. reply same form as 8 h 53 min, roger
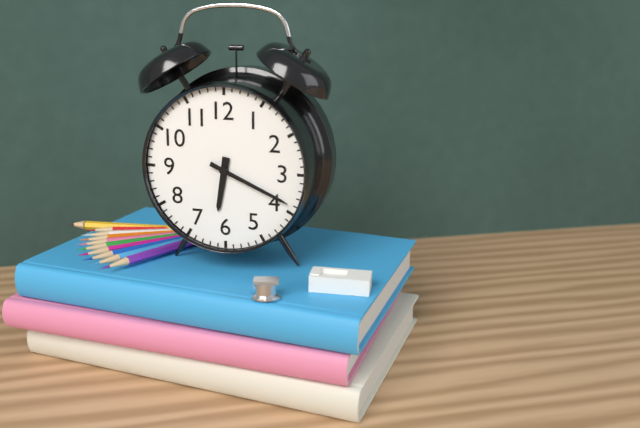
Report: 6 h 19 min
